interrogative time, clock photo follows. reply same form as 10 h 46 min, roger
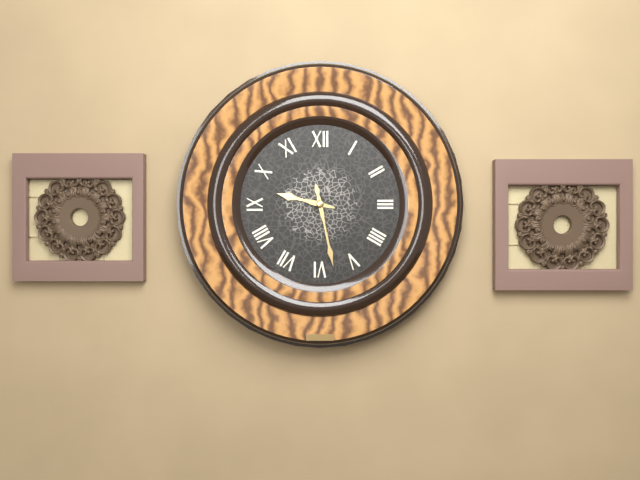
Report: 9 h 28 min
